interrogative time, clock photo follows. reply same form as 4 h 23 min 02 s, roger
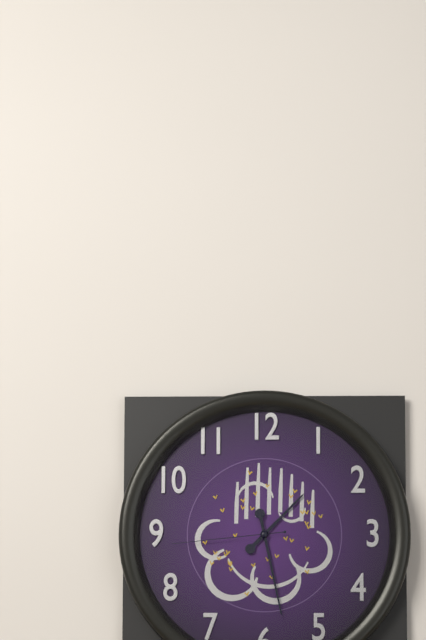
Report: 1 h 28 min 44 s
